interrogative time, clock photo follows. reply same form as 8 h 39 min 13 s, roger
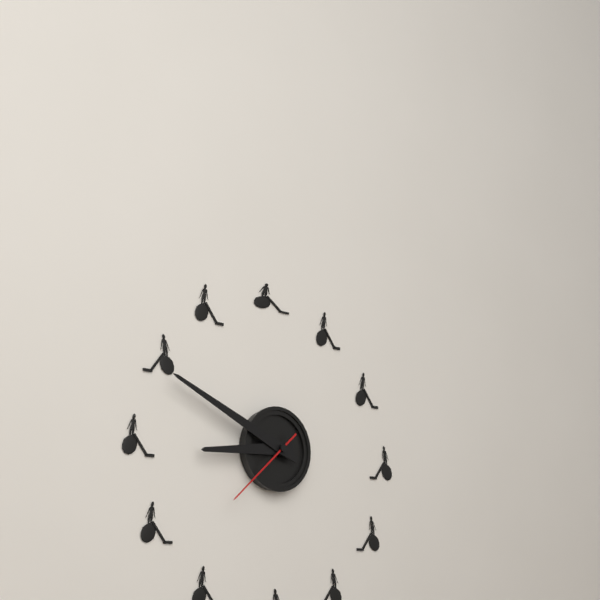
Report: 8 h 49 min 38 s
